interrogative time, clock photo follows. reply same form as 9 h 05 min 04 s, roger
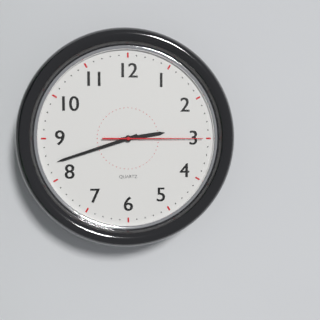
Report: 2 h 42 min 15 s
